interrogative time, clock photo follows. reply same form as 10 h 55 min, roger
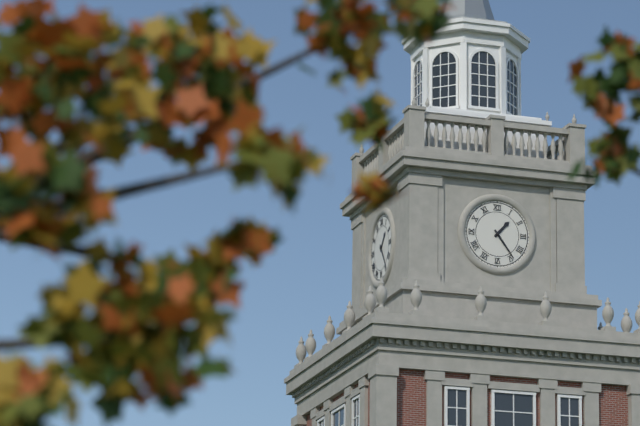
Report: 1 h 24 min
